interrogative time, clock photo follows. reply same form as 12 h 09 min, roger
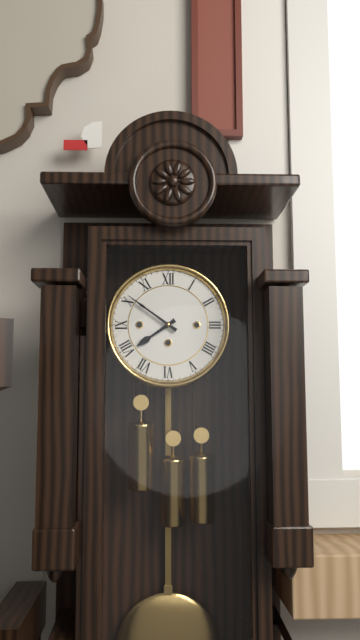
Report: 7 h 51 min
